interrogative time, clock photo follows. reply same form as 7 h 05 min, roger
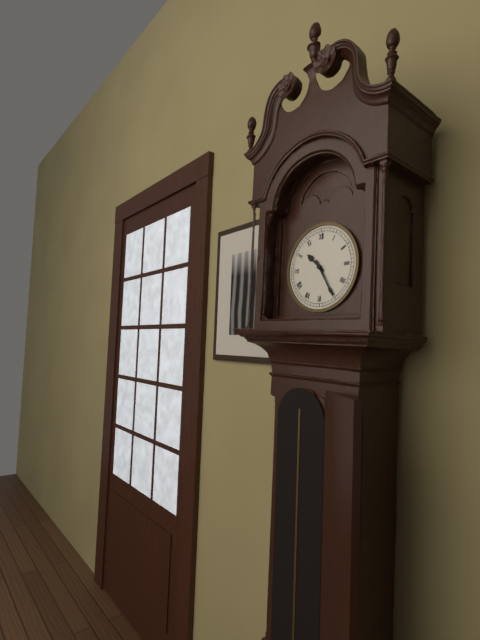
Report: 10 h 25 min
